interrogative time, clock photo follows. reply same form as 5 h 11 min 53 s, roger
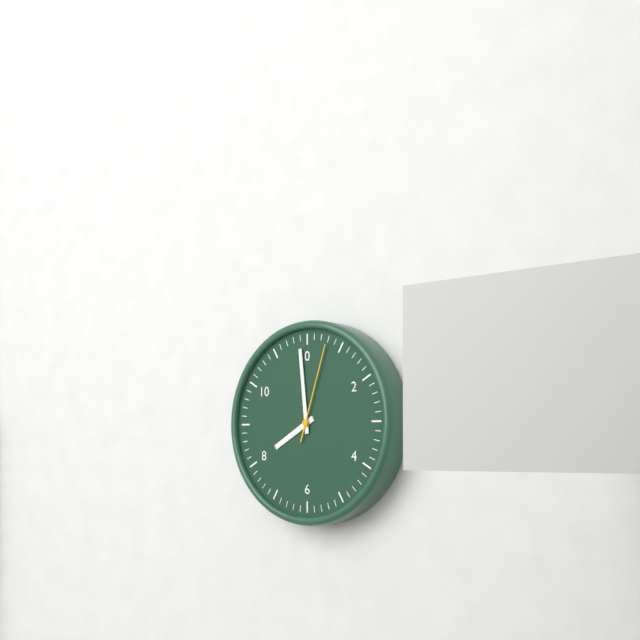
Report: 7 h 59 min 03 s
